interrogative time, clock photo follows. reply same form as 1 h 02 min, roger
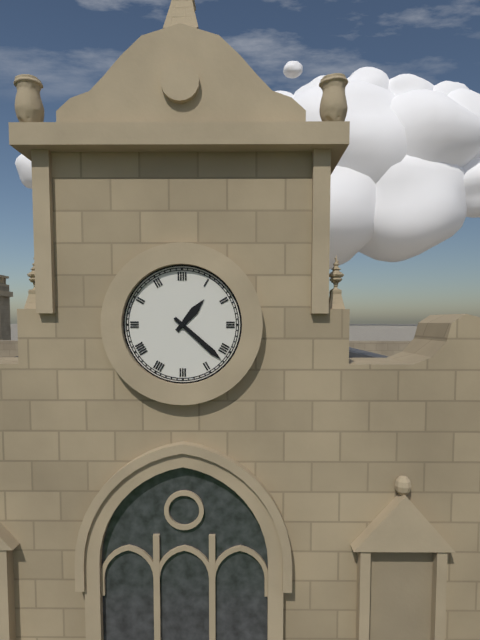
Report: 1 h 22 min
